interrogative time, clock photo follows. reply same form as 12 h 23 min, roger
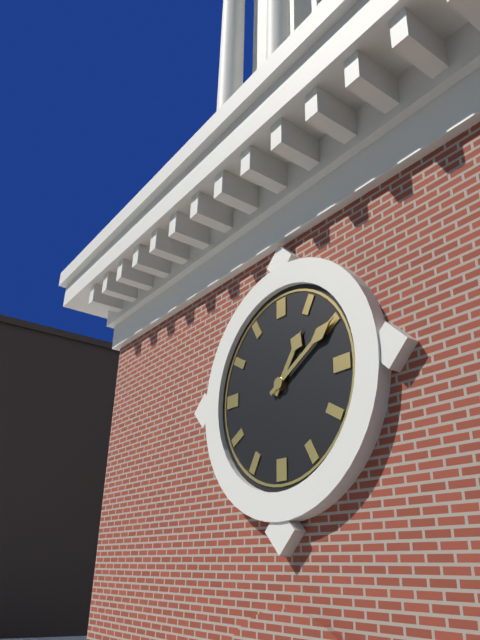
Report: 1 h 10 min
